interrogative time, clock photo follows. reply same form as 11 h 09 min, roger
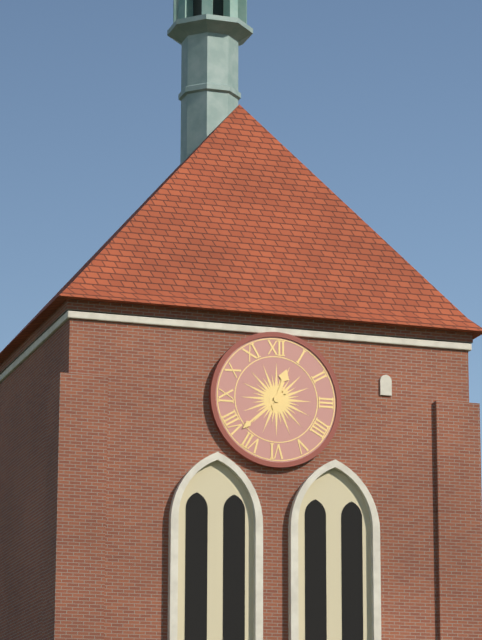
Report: 12 h 38 min
